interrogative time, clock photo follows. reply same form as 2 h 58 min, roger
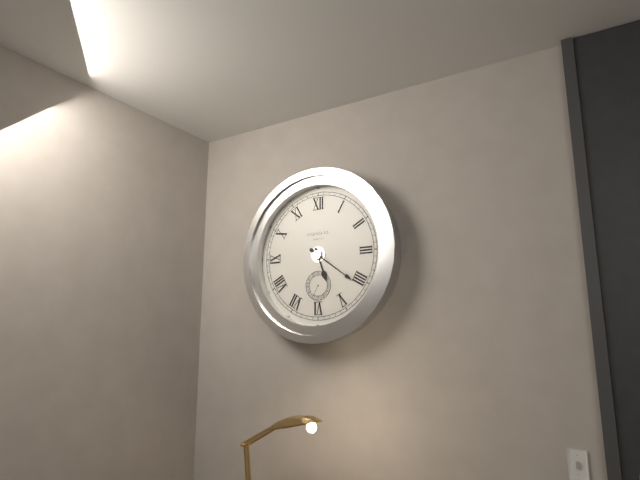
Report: 5 h 21 min
